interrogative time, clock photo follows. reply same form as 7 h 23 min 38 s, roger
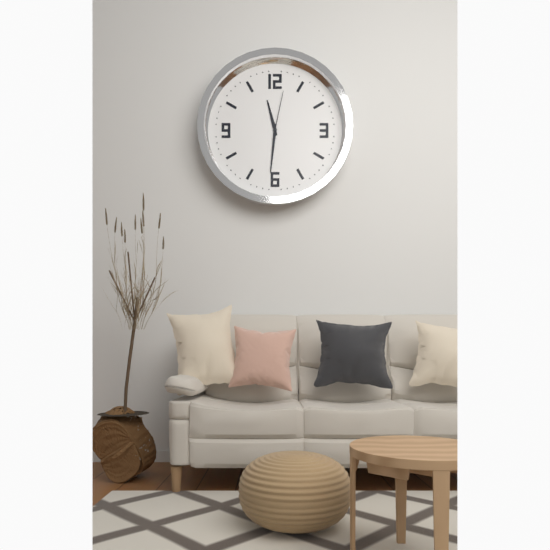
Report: 11 h 31 min 02 s
